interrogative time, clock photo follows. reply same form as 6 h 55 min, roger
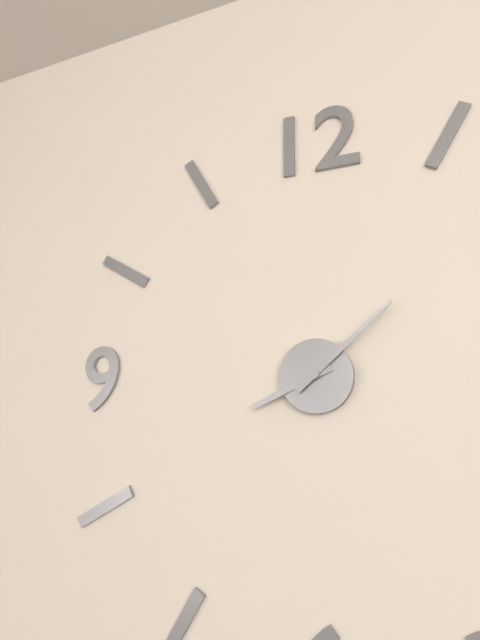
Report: 8 h 08 min
